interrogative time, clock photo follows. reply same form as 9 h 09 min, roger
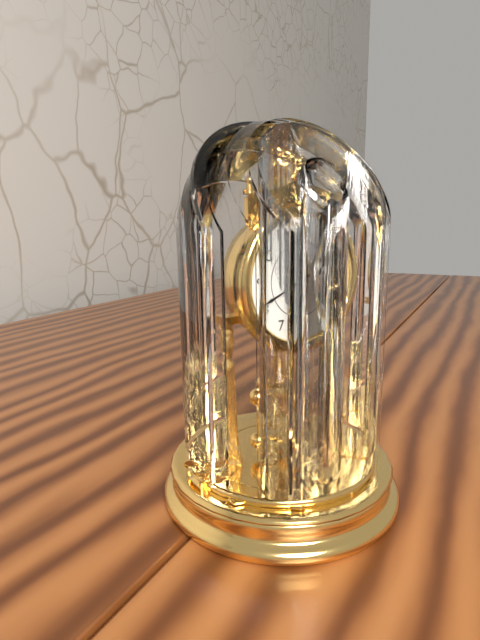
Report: 5 h 41 min
